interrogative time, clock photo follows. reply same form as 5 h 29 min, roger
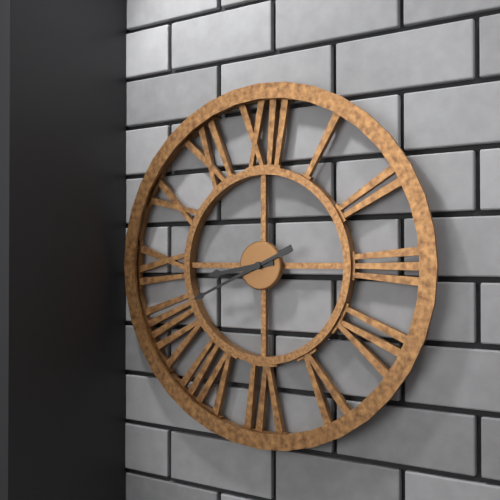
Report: 8 h 41 min
